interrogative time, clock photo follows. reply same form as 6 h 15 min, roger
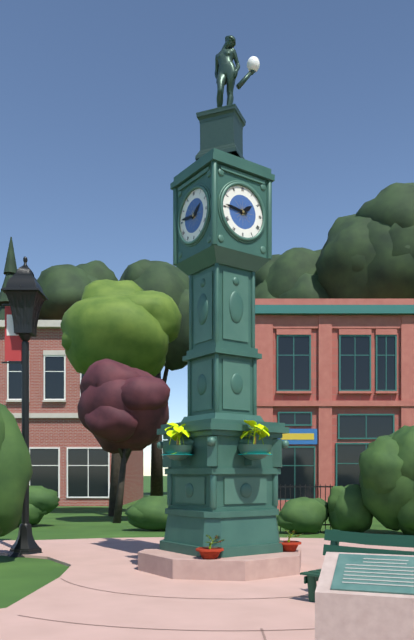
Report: 1 h 46 min
